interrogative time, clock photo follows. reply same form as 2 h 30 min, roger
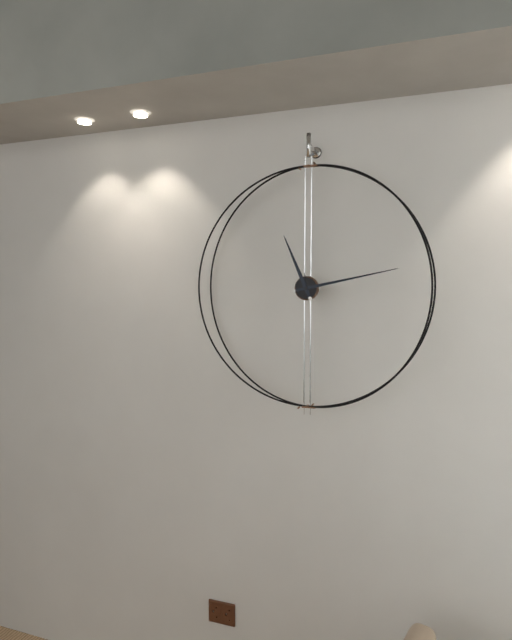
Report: 11 h 13 min
